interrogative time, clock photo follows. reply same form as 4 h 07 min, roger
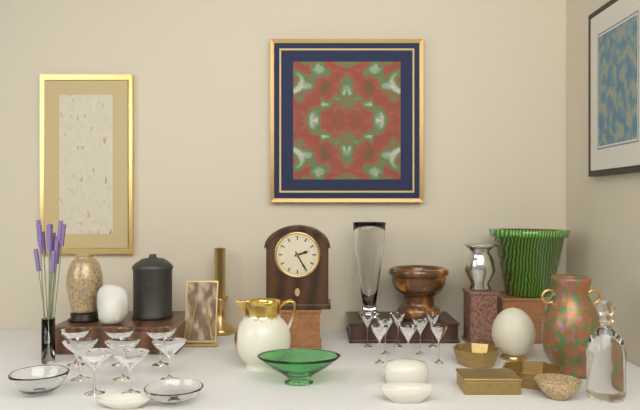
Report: 2 h 25 min
